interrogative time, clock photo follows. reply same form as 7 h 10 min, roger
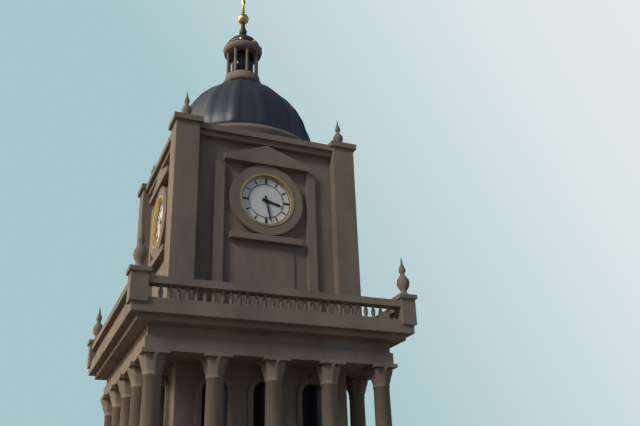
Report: 3 h 28 min
